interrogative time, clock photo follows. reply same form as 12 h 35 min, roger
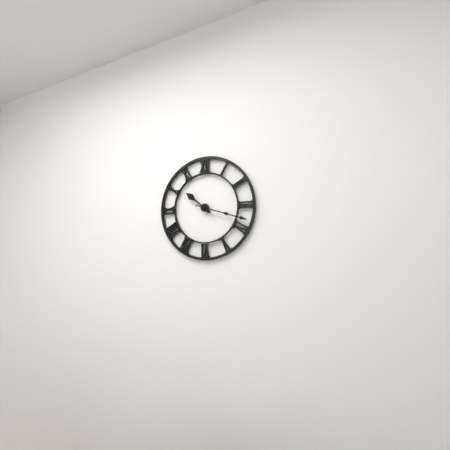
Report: 10 h 18 min
